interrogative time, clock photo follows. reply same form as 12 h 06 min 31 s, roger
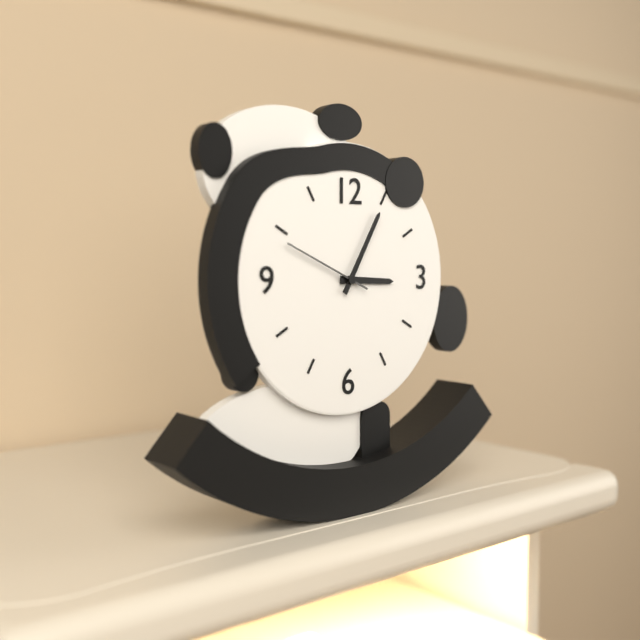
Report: 3 h 05 min 49 s
